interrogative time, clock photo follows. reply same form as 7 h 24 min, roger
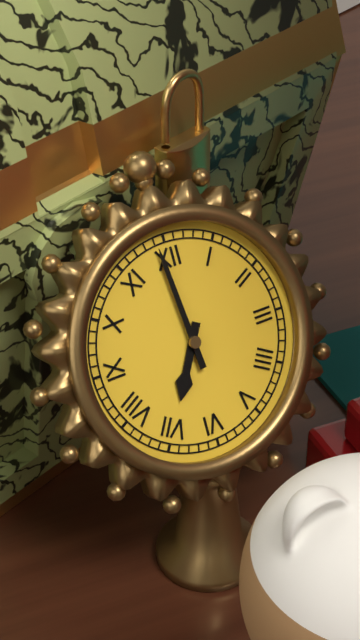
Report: 6 h 59 min
